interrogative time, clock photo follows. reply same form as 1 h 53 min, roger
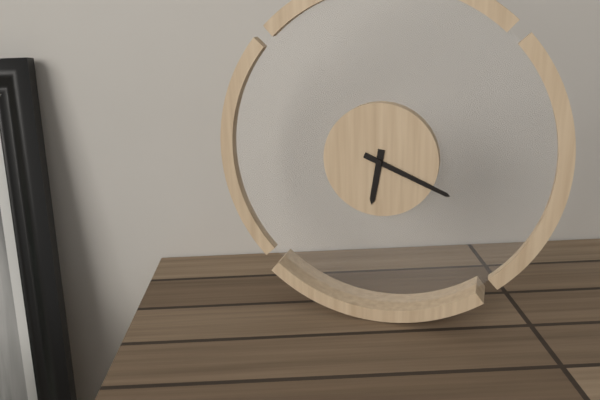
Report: 6 h 19 min
